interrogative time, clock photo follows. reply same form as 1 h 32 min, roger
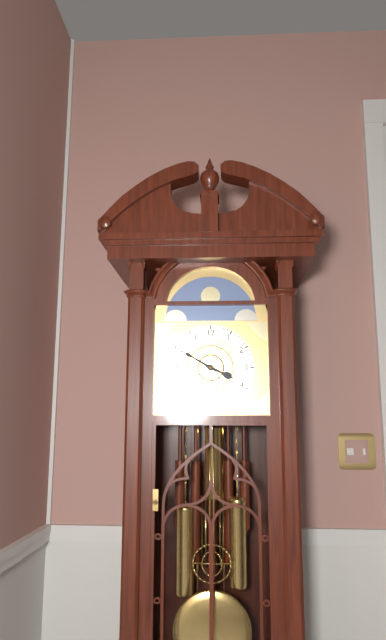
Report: 3 h 50 min
